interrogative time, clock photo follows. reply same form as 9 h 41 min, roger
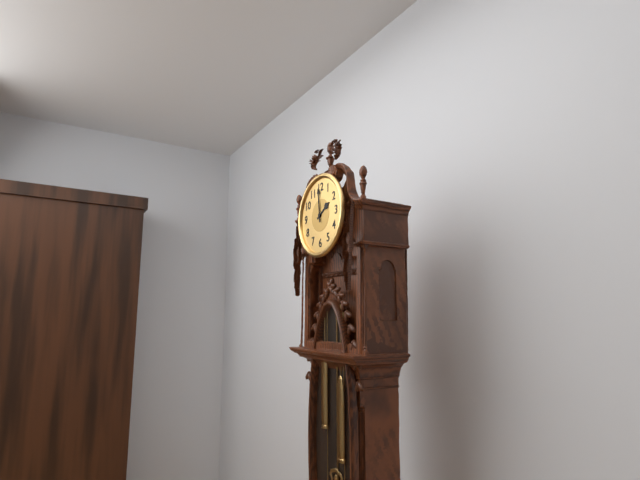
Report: 1 h 59 min
